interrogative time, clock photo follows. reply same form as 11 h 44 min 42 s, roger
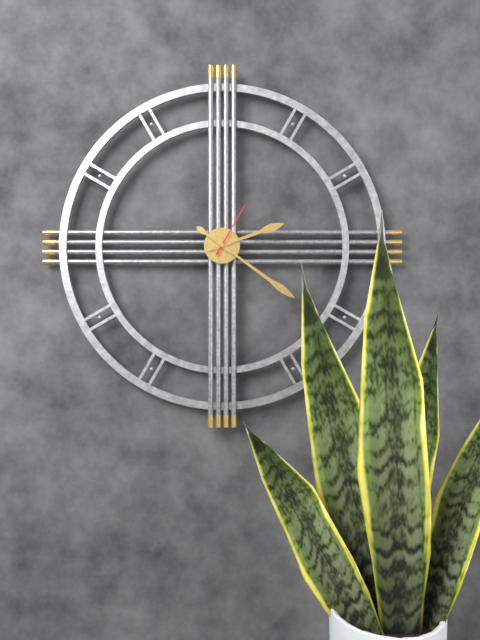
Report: 2 h 21 min 05 s
